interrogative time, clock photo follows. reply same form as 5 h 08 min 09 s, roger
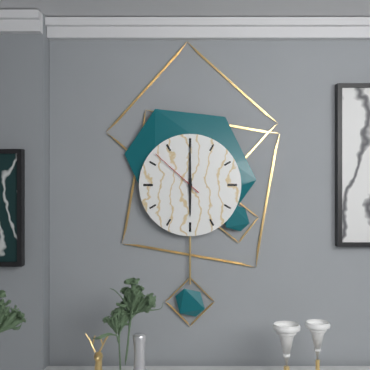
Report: 6 h 00 min 52 s
